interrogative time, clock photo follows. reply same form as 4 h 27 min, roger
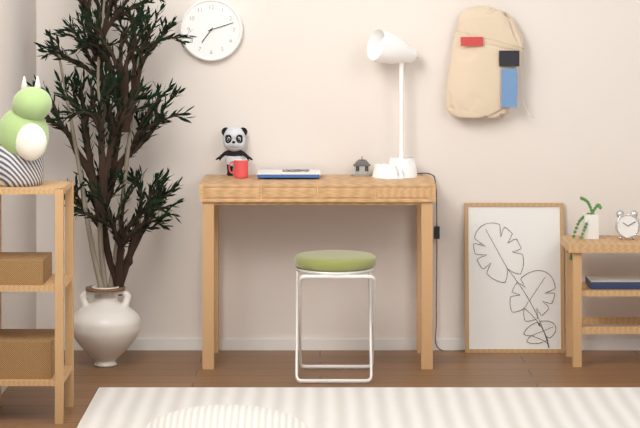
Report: 7 h 12 min
